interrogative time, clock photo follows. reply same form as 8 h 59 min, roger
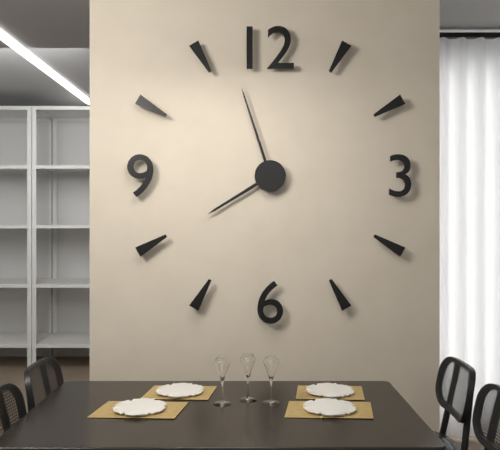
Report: 7 h 57 min
